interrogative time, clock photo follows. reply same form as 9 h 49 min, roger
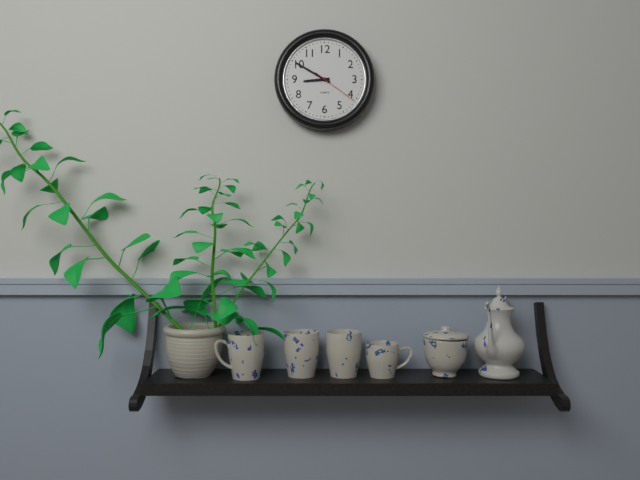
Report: 8 h 50 min
